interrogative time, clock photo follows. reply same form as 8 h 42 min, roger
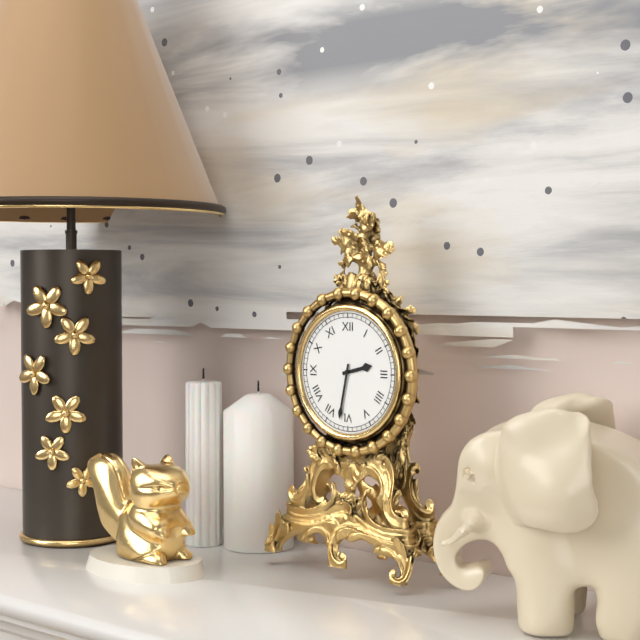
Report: 2 h 32 min
